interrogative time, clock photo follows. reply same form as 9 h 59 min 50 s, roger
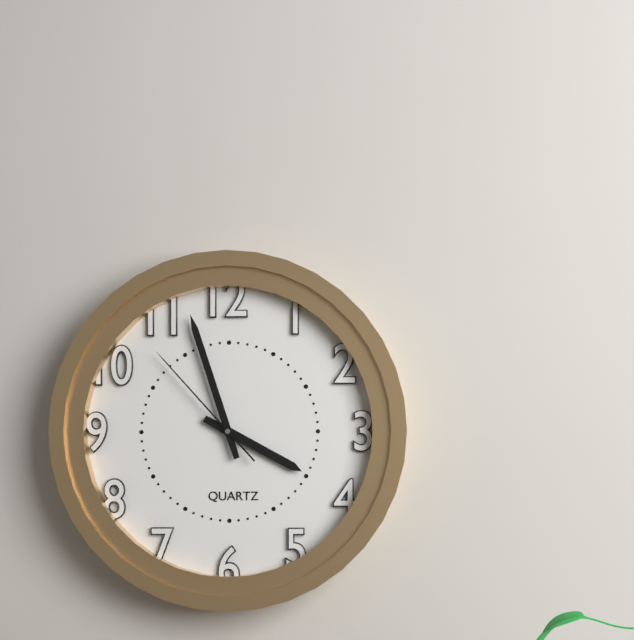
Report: 3 h 57 min 53 s
